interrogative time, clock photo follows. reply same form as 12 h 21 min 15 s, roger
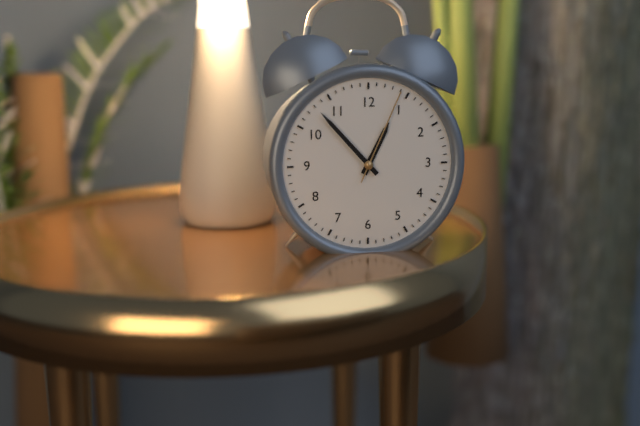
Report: 12 h 53 min 04 s
